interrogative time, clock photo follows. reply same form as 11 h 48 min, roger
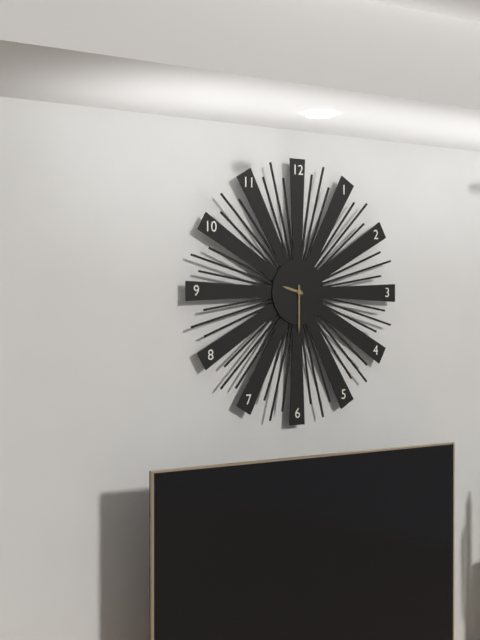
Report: 9 h 30 min
